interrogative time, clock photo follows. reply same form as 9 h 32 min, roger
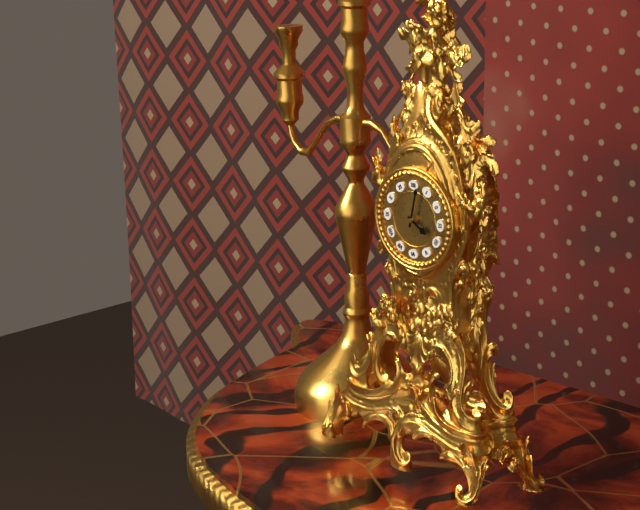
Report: 4 h 02 min
